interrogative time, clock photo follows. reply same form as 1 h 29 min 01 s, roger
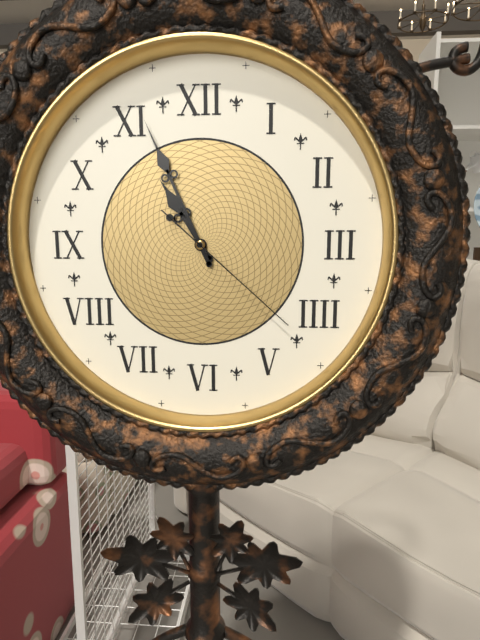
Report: 10 h 56 min 22 s
